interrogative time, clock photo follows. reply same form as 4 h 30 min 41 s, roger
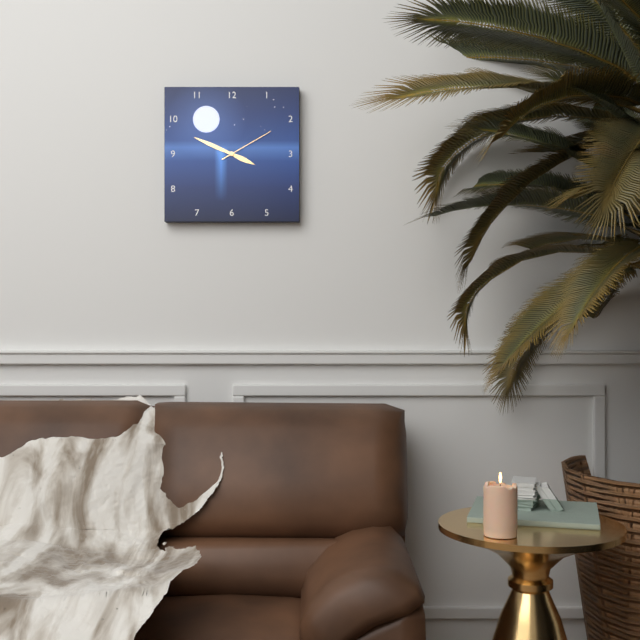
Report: 3 h 49 min 10 s
